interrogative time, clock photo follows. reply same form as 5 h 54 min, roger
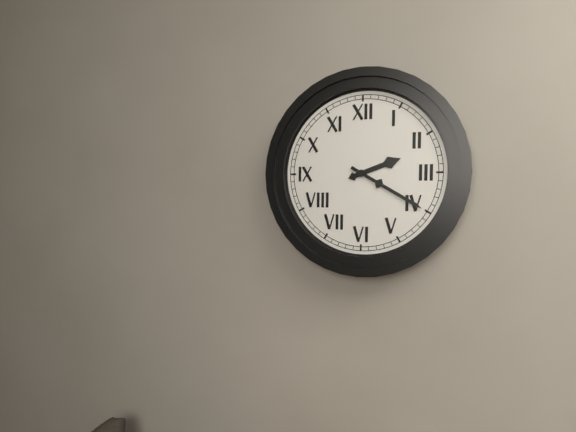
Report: 2 h 20 min
